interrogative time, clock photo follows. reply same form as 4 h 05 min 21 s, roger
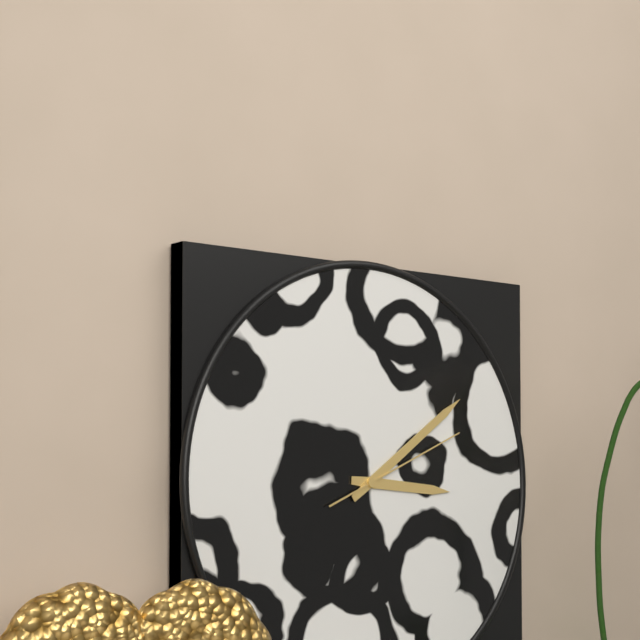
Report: 3 h 09 min 11 s
